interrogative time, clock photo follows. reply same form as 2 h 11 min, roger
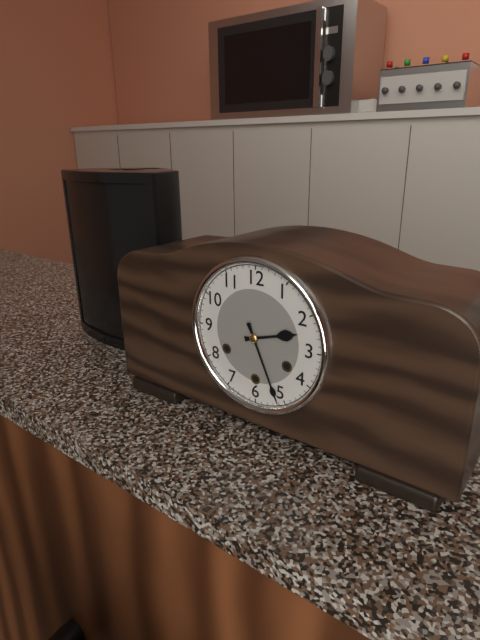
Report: 2 h 26 min
